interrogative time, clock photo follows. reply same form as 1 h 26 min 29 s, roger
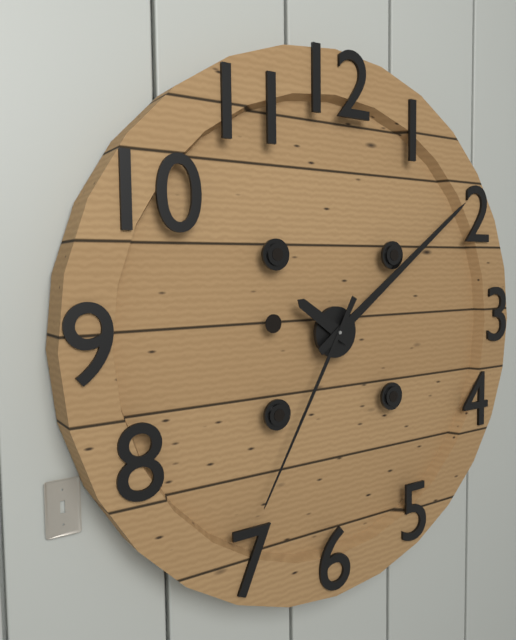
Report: 10 h 09 min 35 s
